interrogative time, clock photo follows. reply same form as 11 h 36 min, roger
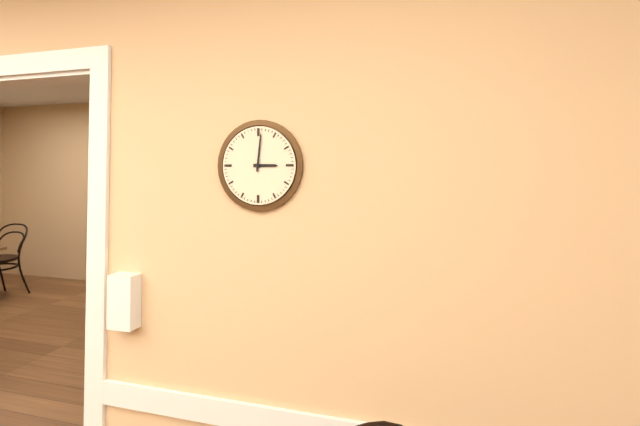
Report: 3 h 01 min
